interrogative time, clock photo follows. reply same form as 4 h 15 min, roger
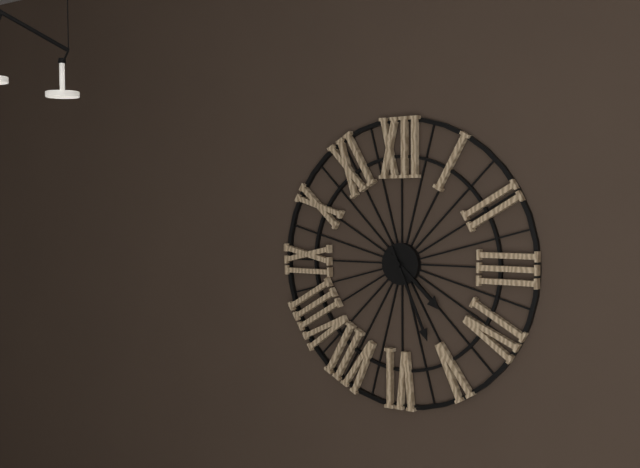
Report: 4 h 26 min
